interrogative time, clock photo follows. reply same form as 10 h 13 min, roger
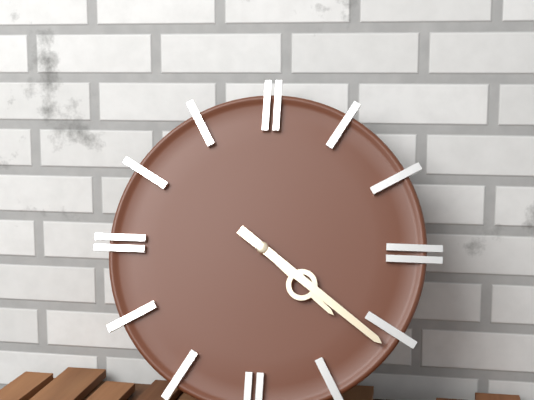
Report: 4 h 21 min
